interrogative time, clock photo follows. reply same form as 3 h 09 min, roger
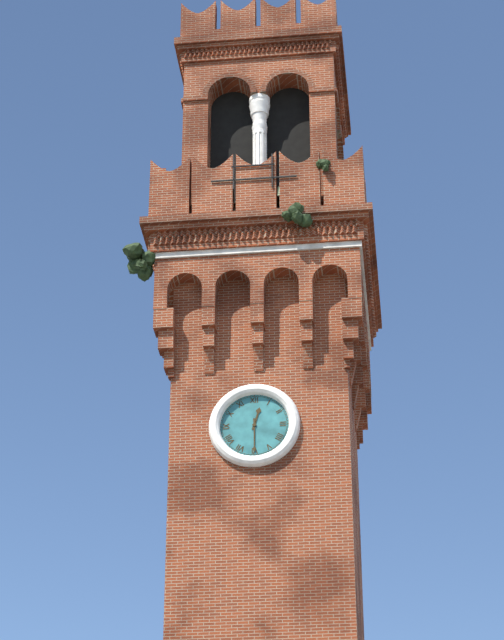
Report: 12 h 30 min
